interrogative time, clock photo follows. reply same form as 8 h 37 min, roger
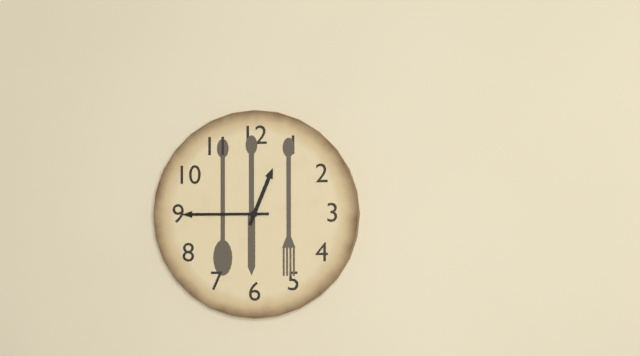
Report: 12 h 45 min
